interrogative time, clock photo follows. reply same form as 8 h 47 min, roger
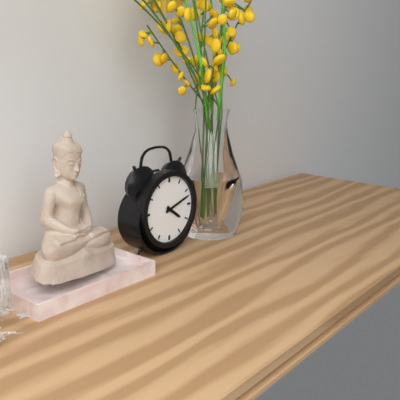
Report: 4 h 12 min
